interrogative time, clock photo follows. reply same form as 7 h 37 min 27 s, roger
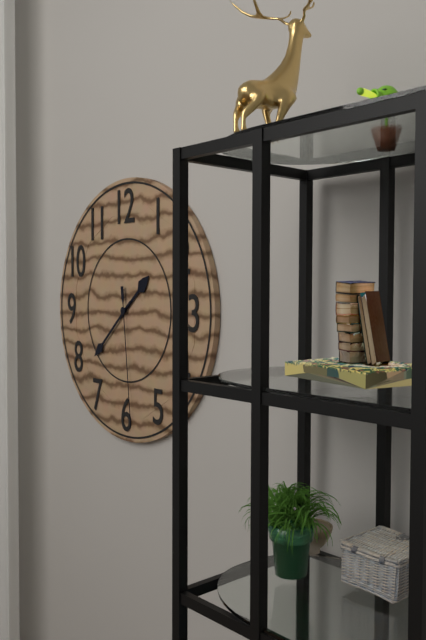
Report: 1 h 38 min 29 s
